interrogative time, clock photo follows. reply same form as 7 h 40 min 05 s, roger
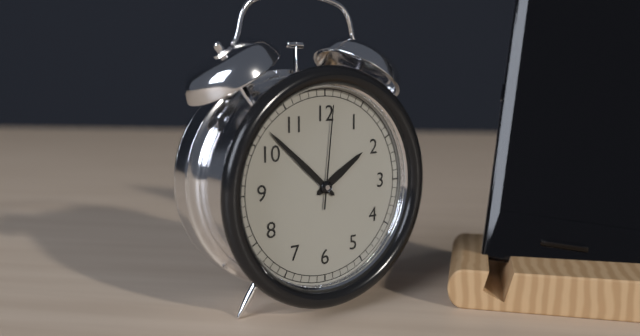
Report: 1 h 52 min 01 s
